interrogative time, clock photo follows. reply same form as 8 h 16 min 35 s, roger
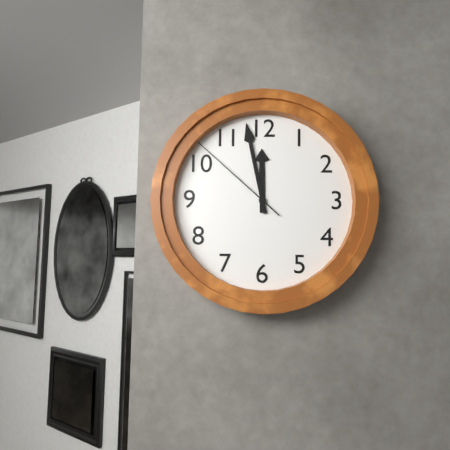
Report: 11 h 58 min 52 s
